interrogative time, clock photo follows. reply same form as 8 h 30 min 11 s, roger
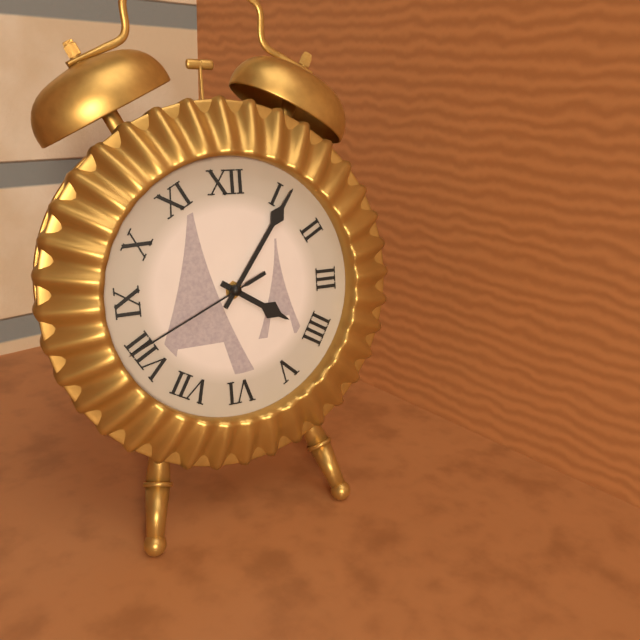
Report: 4 h 06 min 41 s
